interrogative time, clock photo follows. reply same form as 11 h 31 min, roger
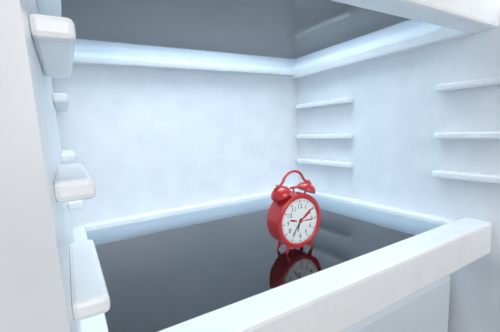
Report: 6 h 36 min
